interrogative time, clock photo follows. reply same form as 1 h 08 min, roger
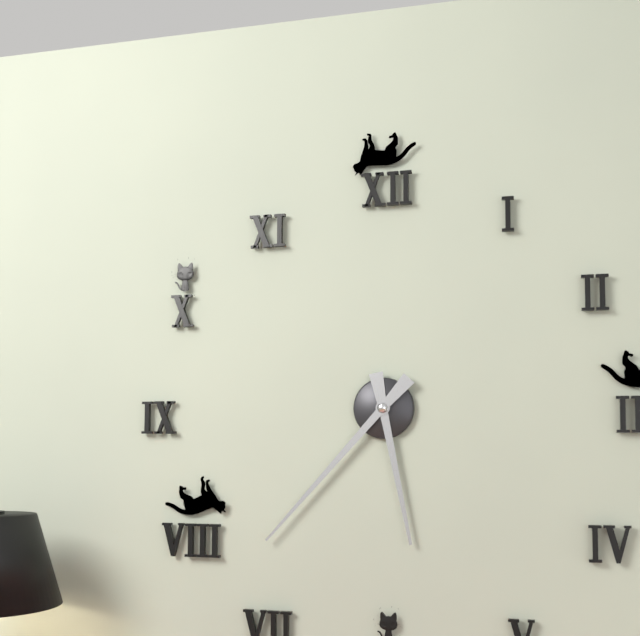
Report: 5 h 37 min
